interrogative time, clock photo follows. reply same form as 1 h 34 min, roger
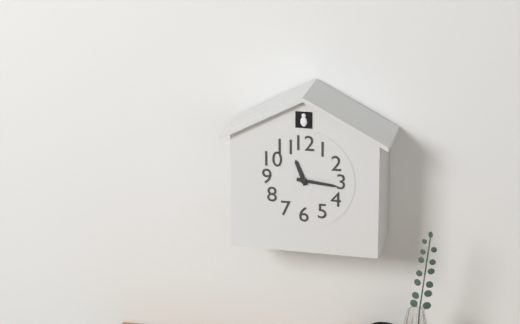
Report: 11 h 16 min
